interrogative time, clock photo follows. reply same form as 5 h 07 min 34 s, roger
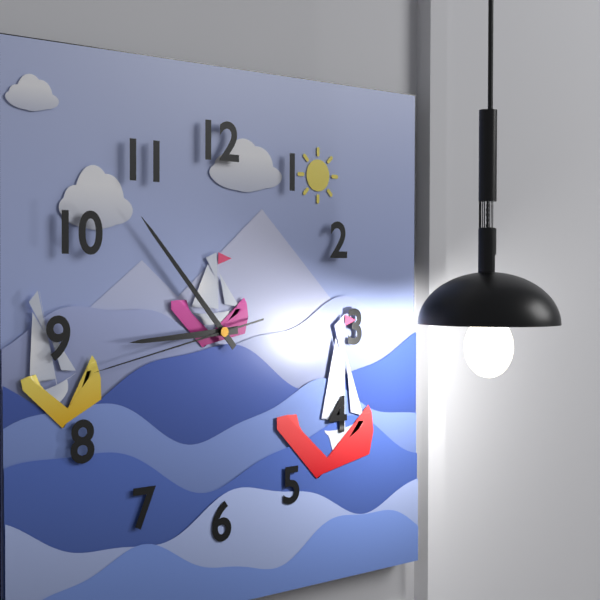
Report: 8 h 53 min 43 s
